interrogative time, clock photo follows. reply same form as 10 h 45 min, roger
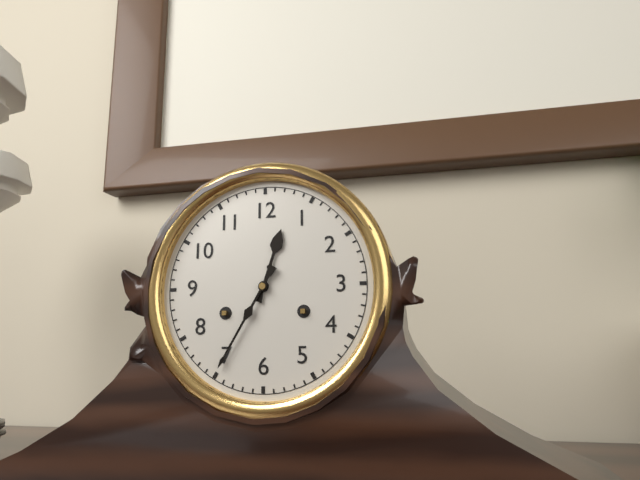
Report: 12 h 35 min
